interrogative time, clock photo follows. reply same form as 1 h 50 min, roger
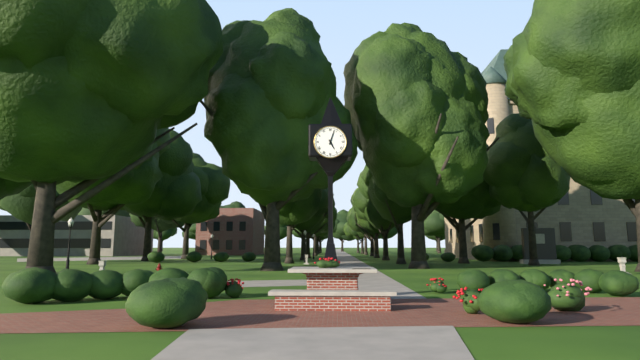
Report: 5 h 03 min
